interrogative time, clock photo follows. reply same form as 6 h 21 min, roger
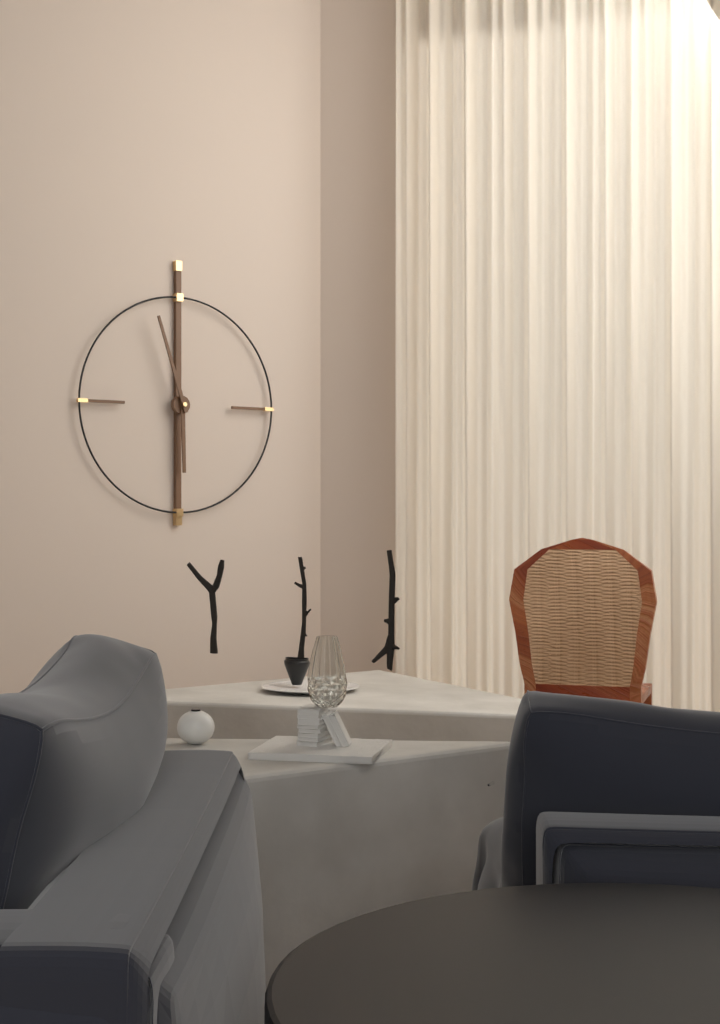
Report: 5 h 57 min
